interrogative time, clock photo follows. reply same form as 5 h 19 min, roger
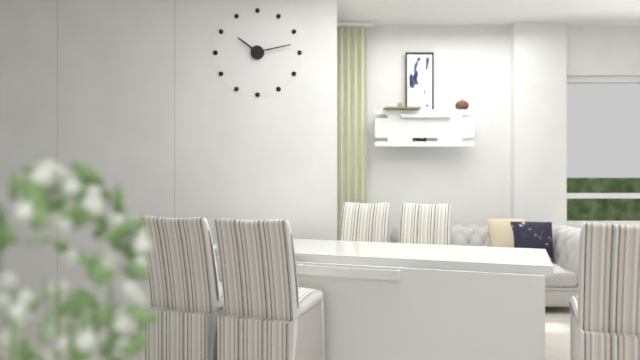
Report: 10 h 13 min
